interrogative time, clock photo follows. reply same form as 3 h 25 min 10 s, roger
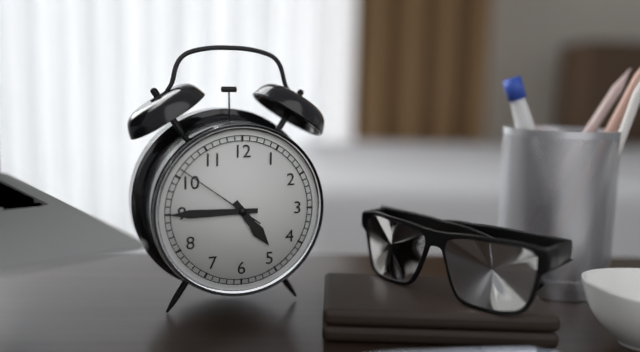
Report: 4 h 45 min 51 s
